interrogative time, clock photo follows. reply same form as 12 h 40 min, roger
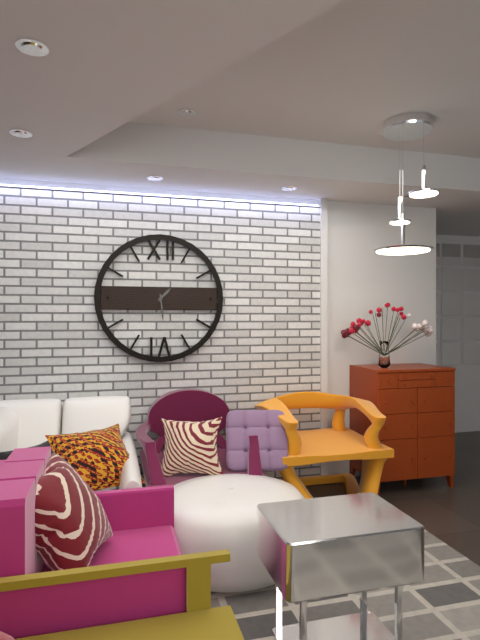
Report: 1 h 29 min
